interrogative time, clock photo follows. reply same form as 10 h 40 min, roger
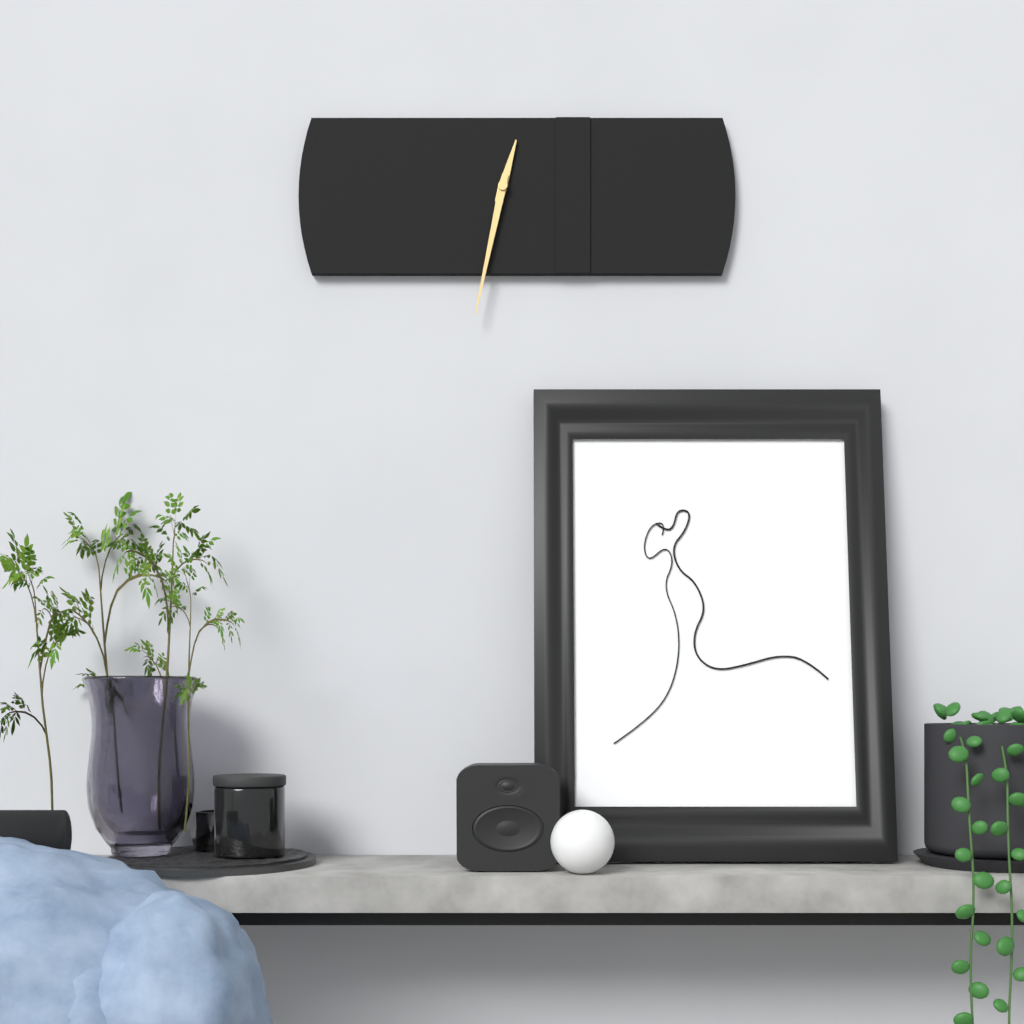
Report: 12 h 32 min
